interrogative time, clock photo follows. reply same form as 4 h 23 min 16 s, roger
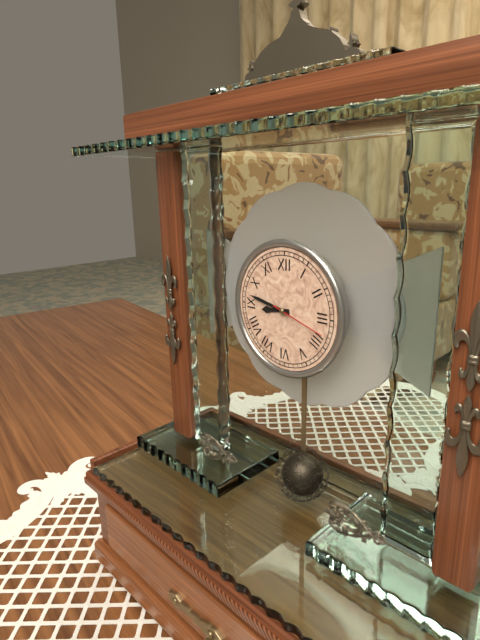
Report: 8 h 47 min 18 s
